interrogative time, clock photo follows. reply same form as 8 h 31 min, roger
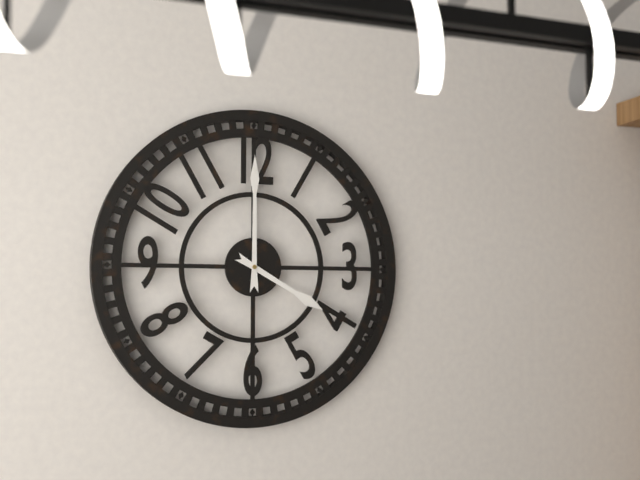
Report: 4 h 00 min
